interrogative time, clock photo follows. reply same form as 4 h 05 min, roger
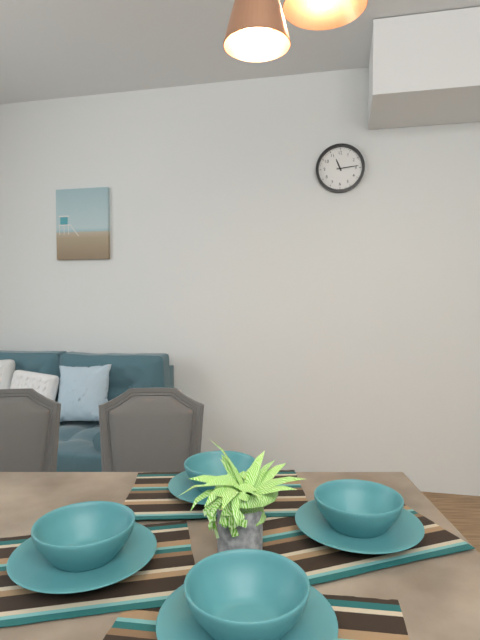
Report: 11 h 14 min
